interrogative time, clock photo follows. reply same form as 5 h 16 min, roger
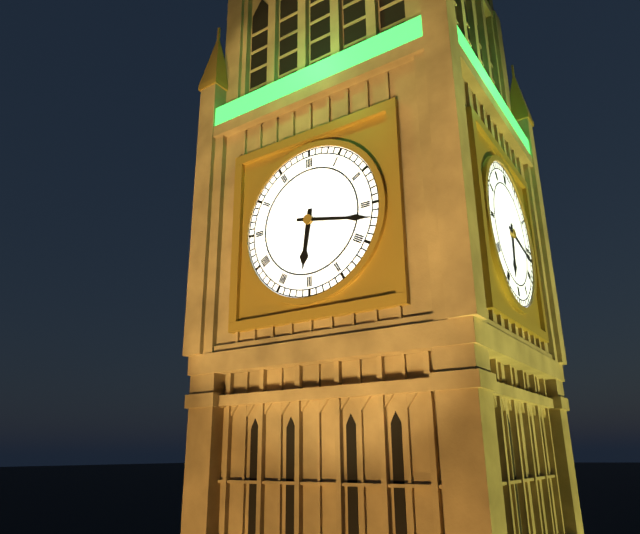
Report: 6 h 17 min
